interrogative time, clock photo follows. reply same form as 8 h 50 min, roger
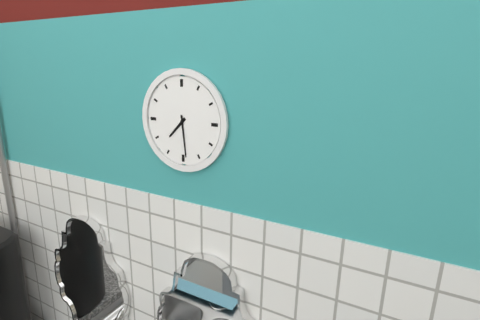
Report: 7 h 29 min
